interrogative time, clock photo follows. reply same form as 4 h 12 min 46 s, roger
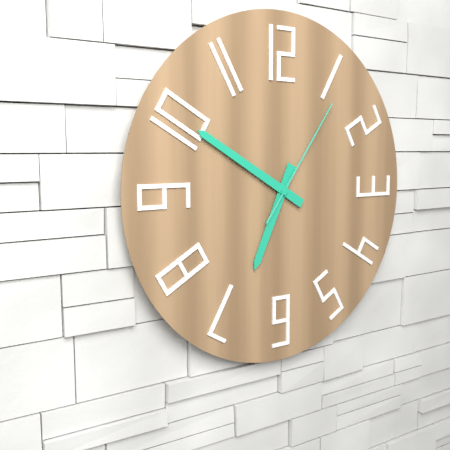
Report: 6 h 50 min 06 s
